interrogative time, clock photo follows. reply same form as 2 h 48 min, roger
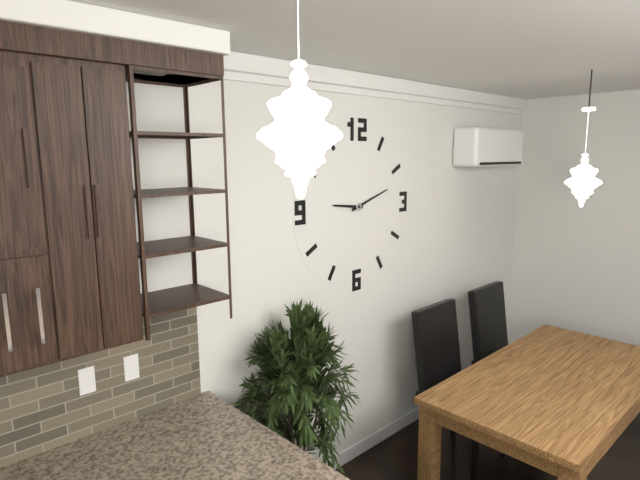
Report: 9 h 12 min
